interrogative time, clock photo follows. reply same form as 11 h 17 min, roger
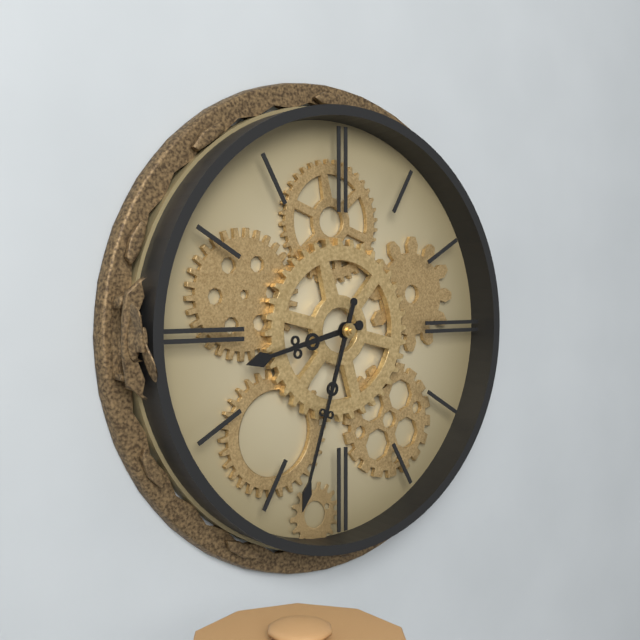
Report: 8 h 33 min
